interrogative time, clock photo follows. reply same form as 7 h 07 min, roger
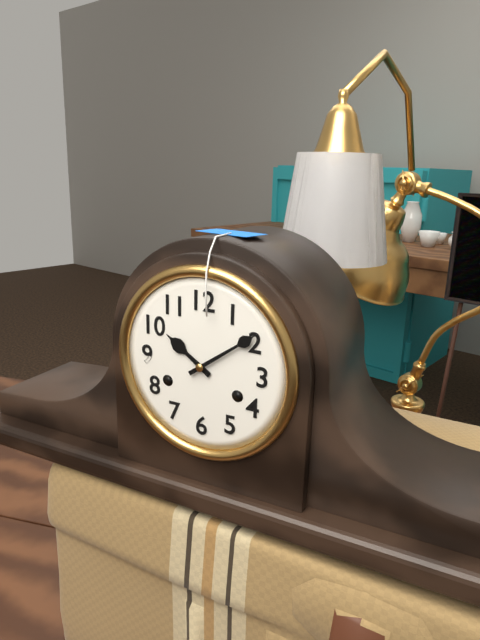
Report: 10 h 09 min
